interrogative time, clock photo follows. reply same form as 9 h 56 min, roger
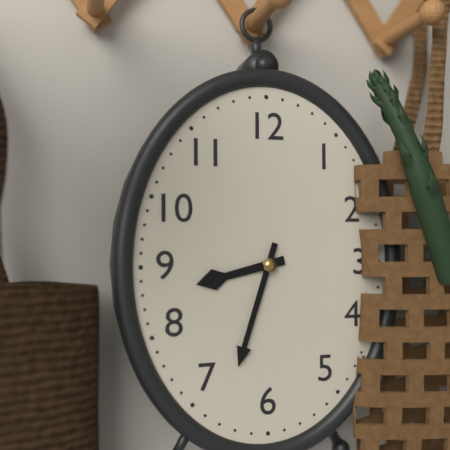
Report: 8 h 33 min
